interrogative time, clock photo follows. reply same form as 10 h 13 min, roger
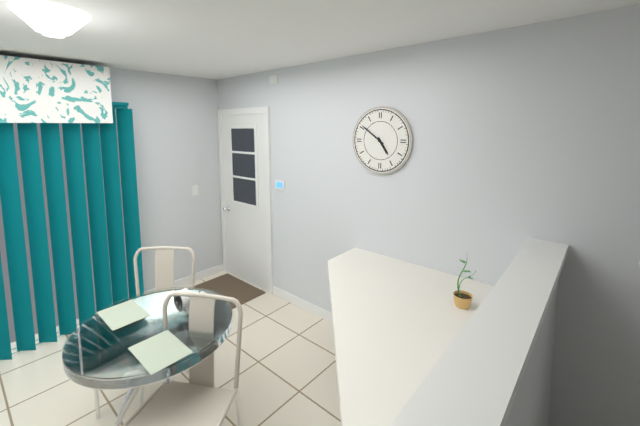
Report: 4 h 51 min
